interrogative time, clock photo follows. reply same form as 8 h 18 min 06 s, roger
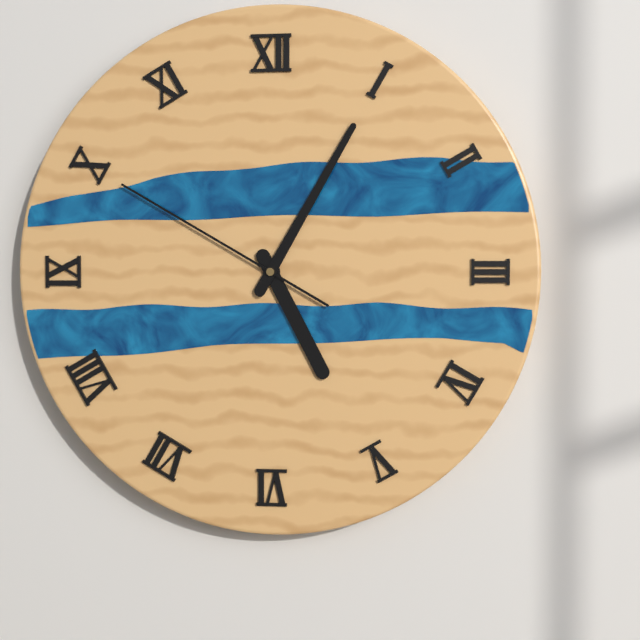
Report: 5 h 05 min 50 s
